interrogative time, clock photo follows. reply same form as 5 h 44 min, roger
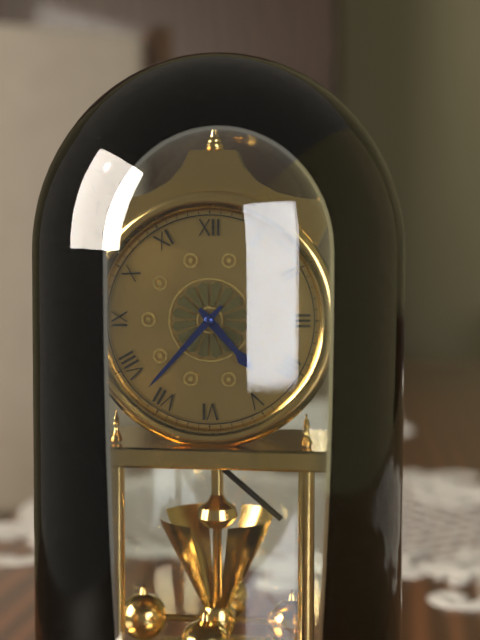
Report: 4 h 37 min
